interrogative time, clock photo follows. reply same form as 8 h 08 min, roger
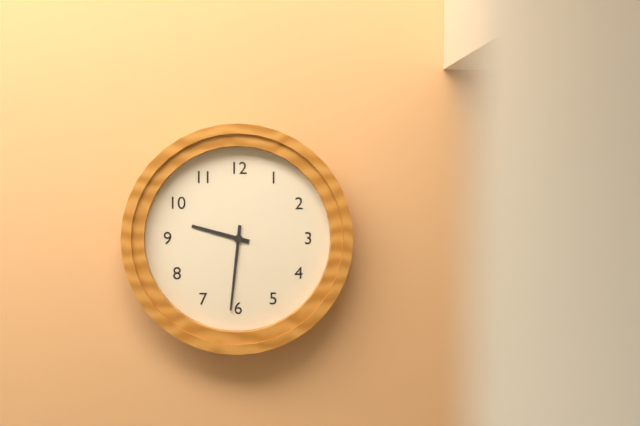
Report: 9 h 31 min
